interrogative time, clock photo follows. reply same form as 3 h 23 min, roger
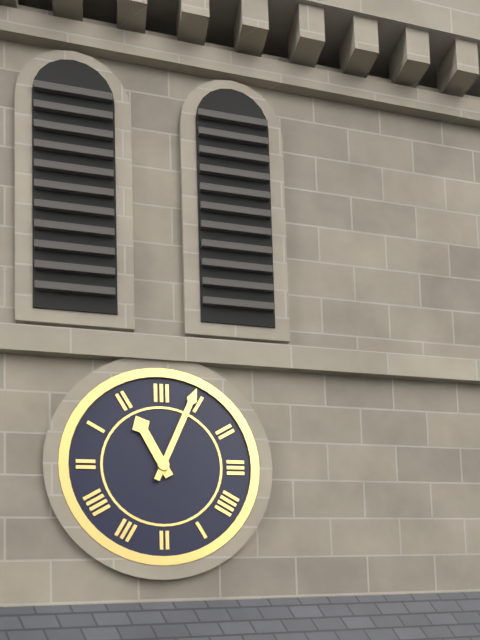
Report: 11 h 04 min
